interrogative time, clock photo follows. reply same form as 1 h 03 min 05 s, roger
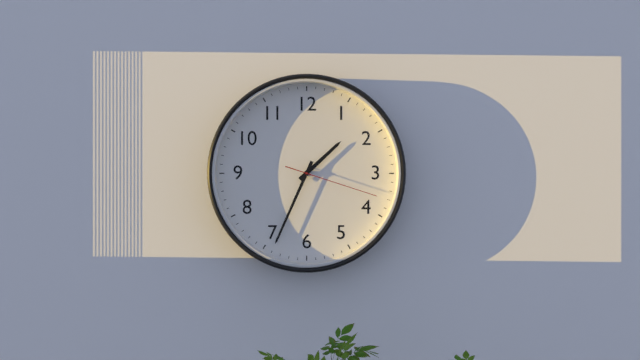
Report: 1 h 34 min 18 s
